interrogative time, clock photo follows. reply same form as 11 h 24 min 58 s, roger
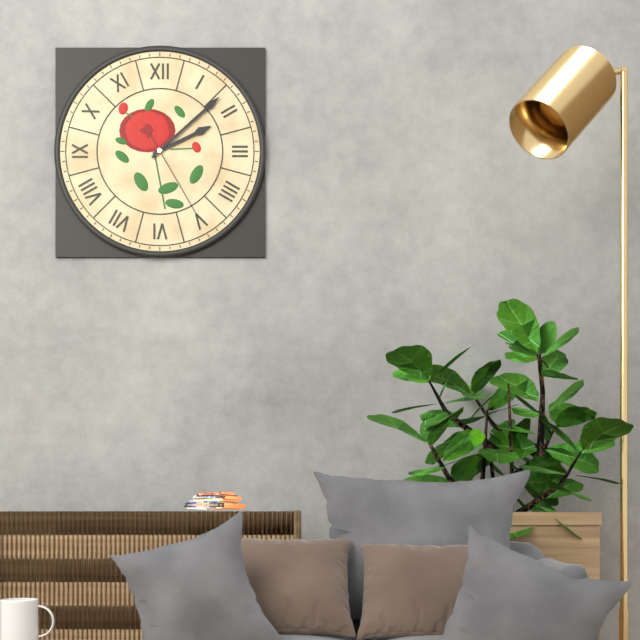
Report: 2 h 08 min 25 s
